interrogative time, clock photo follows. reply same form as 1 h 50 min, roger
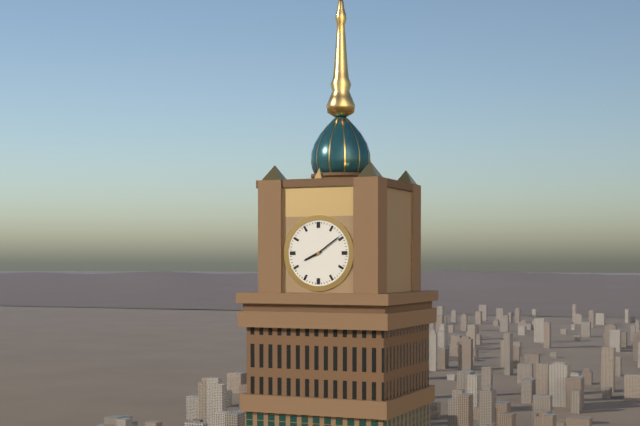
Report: 8 h 09 min
